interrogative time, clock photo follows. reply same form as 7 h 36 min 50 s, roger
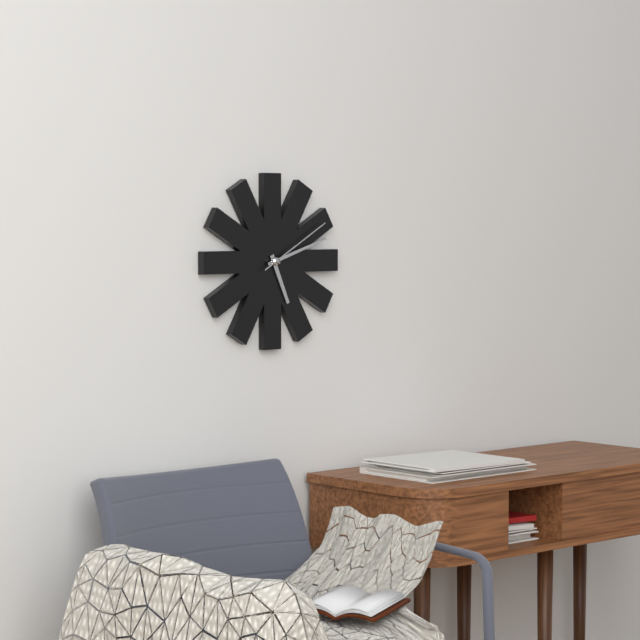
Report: 5 h 12 min 10 s
